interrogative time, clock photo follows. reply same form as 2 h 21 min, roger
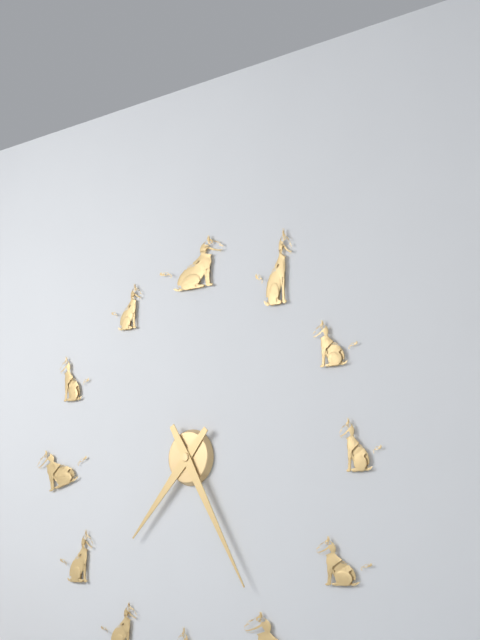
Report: 7 h 25 min
